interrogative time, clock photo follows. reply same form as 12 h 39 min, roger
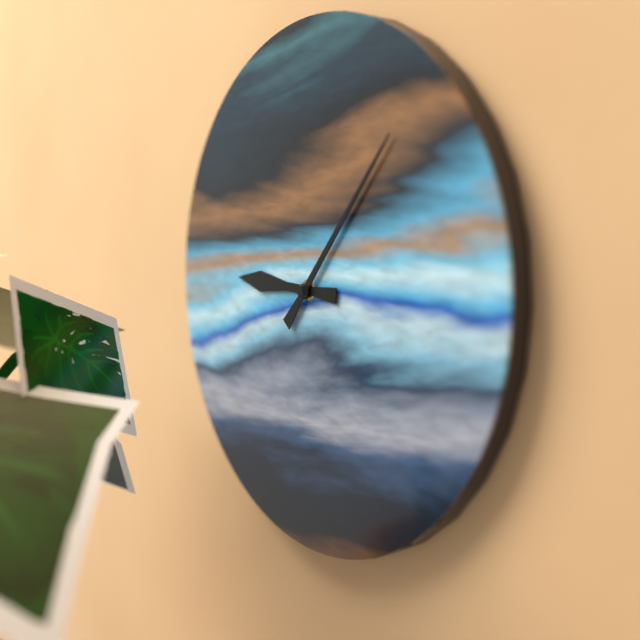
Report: 9 h 07 min
